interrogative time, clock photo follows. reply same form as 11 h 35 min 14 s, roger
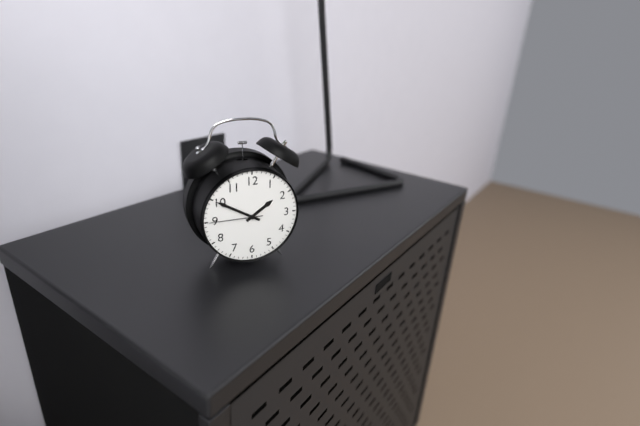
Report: 1 h 50 min 45 s
